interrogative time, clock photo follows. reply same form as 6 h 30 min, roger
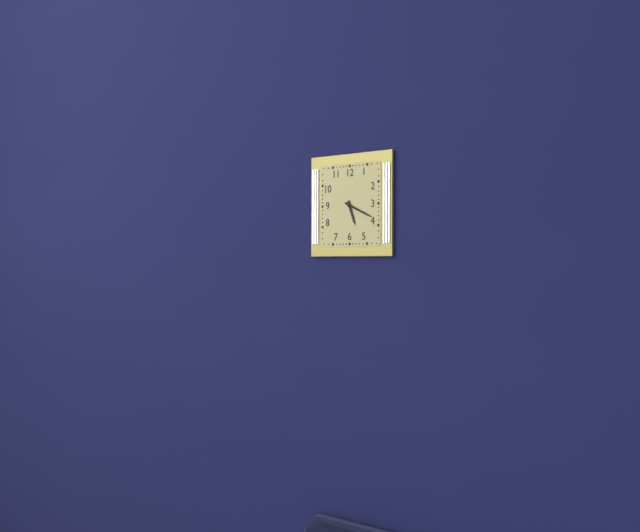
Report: 5 h 19 min
